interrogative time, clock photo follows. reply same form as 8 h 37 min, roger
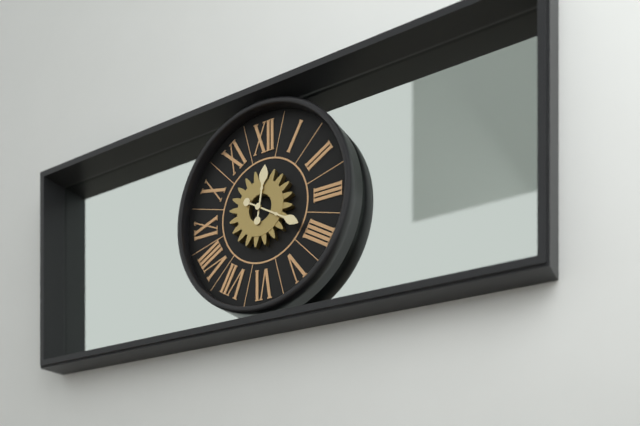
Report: 12 h 20 min
